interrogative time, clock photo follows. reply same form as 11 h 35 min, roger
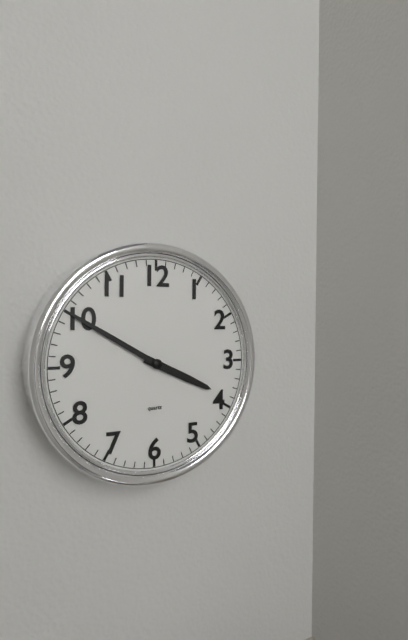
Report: 3 h 50 min
